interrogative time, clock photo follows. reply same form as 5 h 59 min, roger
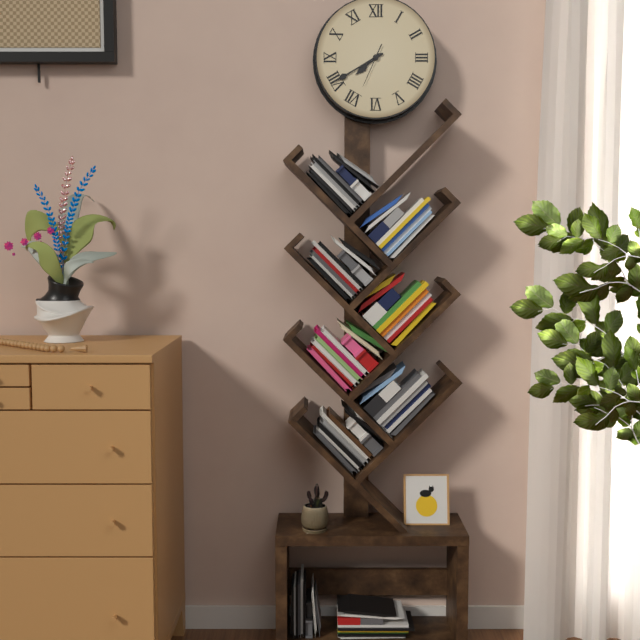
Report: 7 h 40 min
